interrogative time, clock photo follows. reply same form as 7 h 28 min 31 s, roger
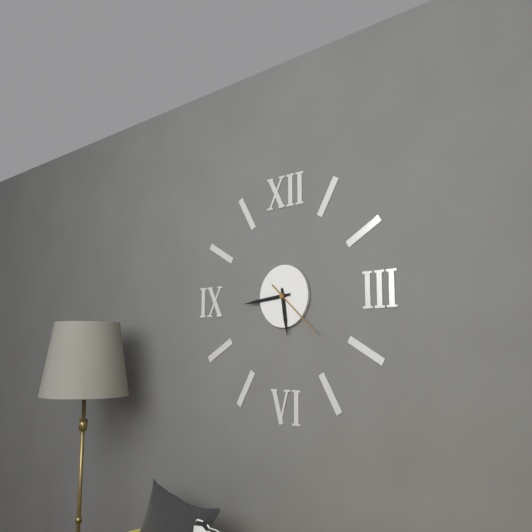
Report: 5 h 44 min 22 s
